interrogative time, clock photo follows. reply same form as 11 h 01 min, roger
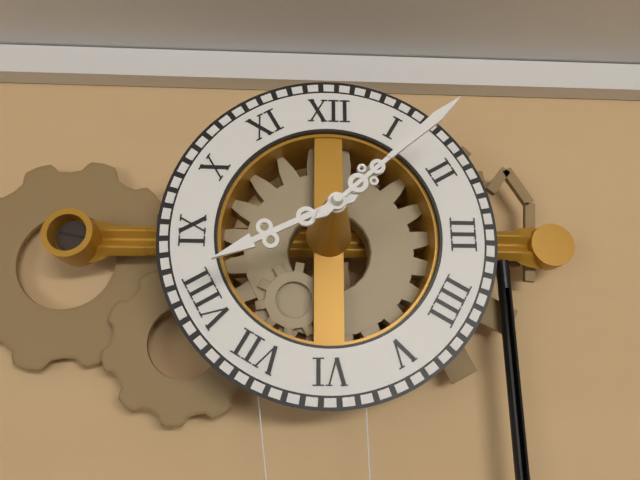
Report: 8 h 08 min
